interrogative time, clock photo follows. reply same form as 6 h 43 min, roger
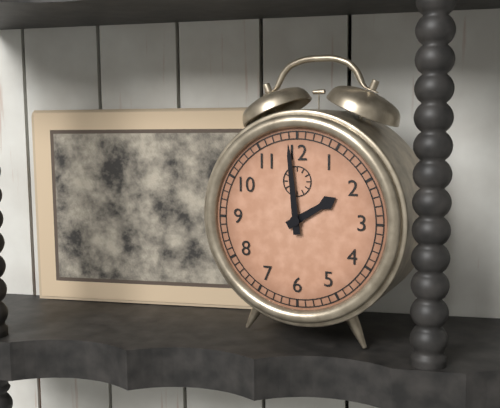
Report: 1 h 59 min
